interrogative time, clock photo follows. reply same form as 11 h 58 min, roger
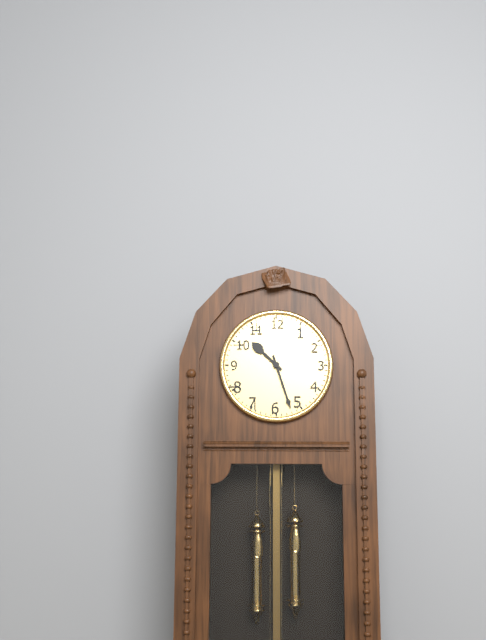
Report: 10 h 27 min
